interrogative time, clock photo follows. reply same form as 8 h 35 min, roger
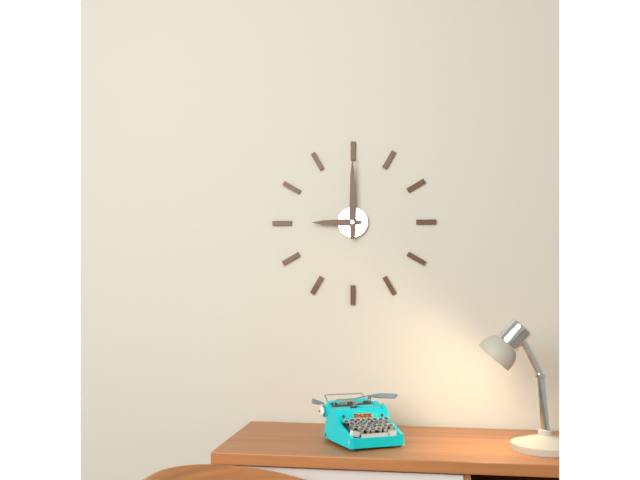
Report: 9 h 00 min
